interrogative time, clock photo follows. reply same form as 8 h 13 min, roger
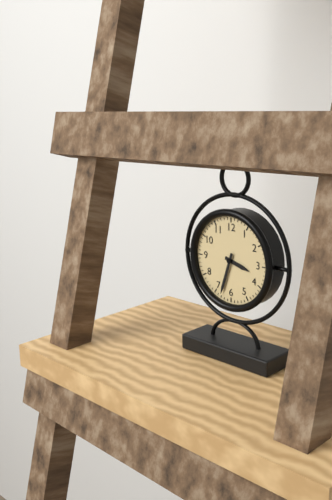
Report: 3 h 33 min
